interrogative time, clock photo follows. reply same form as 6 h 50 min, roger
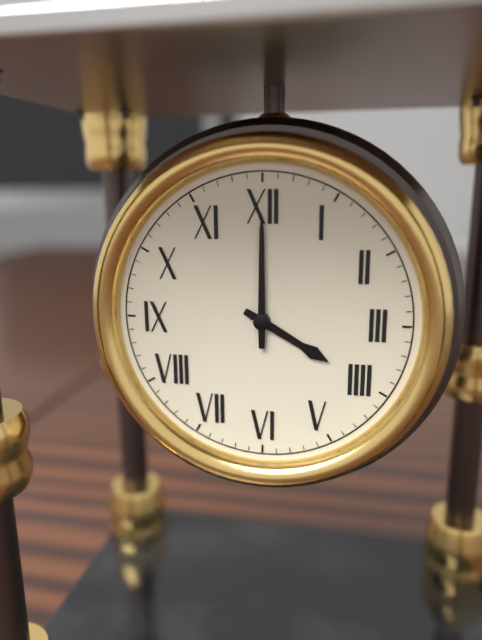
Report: 4 h 00 min
